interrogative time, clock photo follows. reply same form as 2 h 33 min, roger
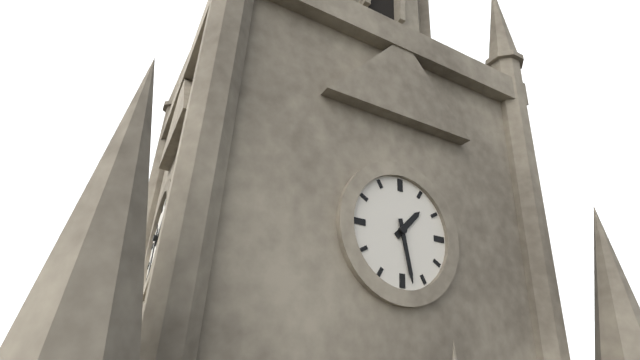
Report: 1 h 28 min
